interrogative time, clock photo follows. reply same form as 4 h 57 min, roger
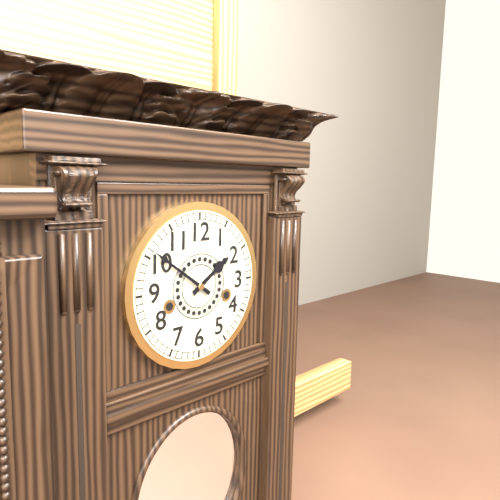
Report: 1 h 51 min
